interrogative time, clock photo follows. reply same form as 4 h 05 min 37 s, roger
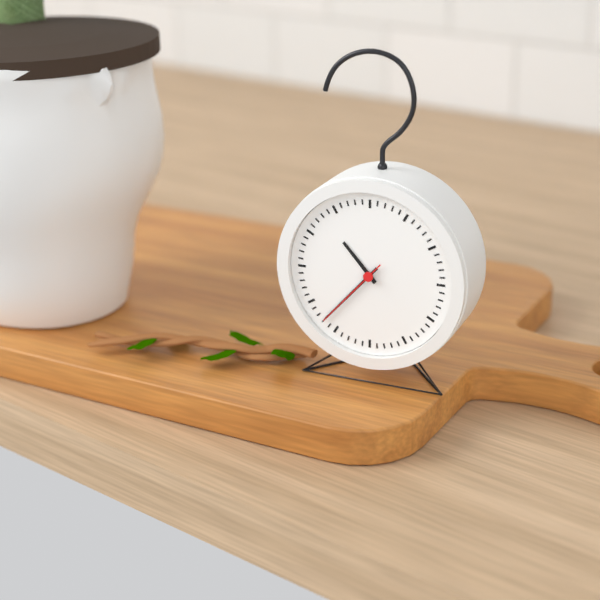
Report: 10 h 37 min 37 s
